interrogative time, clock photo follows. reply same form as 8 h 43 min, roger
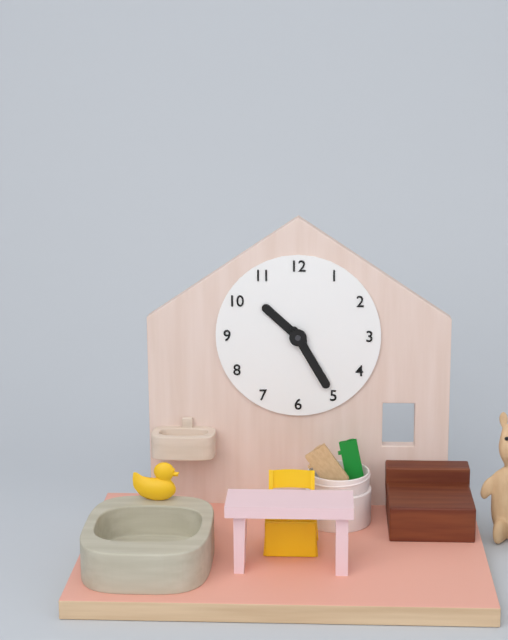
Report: 10 h 25 min
